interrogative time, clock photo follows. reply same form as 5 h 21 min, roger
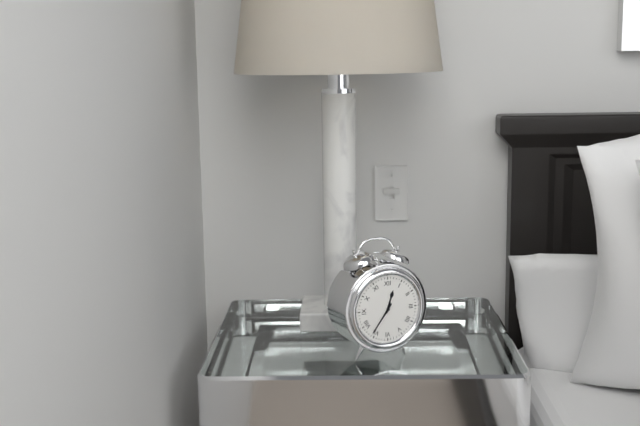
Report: 12 h 36 min
